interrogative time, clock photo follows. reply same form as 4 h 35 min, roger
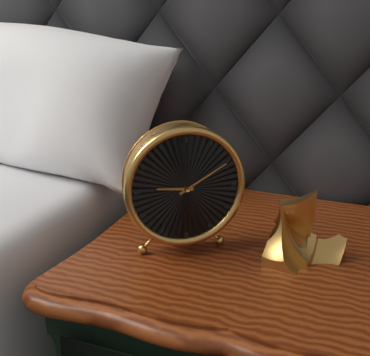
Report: 9 h 10 min
